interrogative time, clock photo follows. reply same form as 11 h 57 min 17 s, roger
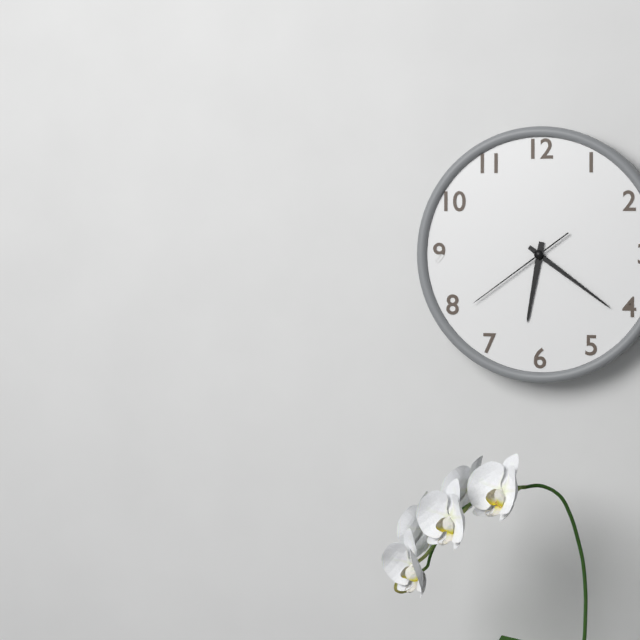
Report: 6 h 21 min 39 s
